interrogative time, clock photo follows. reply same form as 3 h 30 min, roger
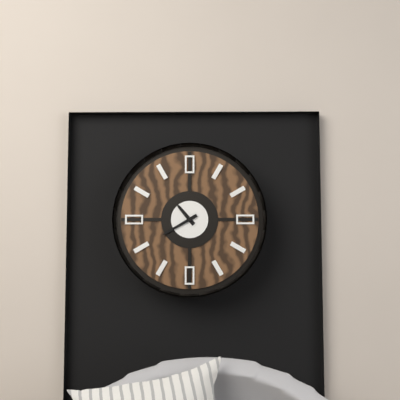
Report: 10 h 40 min
